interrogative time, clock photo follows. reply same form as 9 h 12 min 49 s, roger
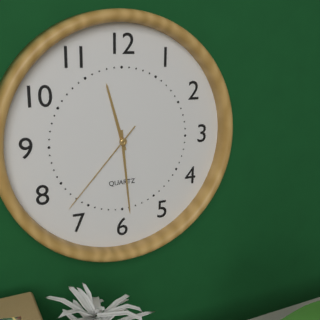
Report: 11 h 29 min 37 s
